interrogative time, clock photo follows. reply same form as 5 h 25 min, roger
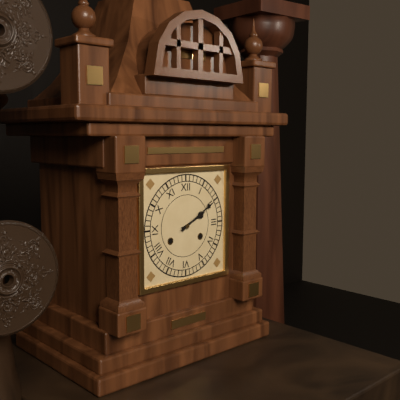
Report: 2 h 10 min
